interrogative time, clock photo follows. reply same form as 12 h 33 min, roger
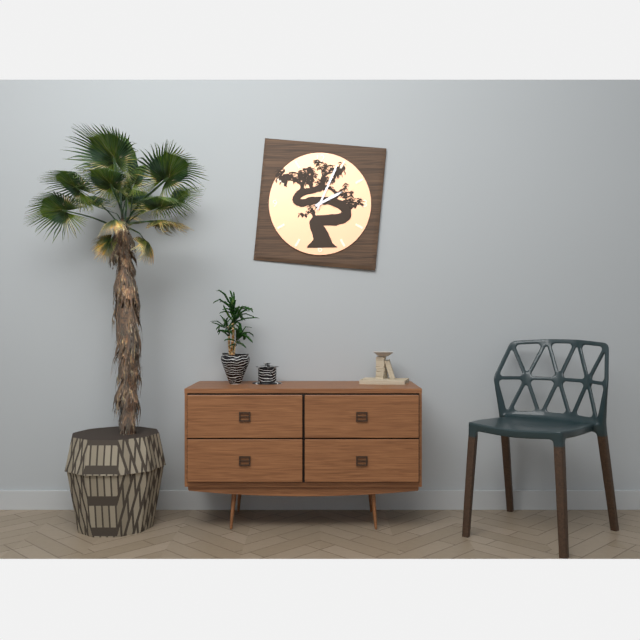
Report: 2 h 04 min
